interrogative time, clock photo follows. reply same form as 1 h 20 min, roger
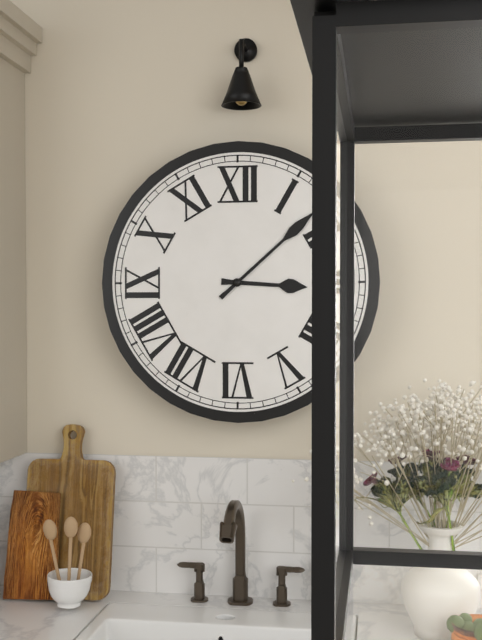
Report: 3 h 08 min
